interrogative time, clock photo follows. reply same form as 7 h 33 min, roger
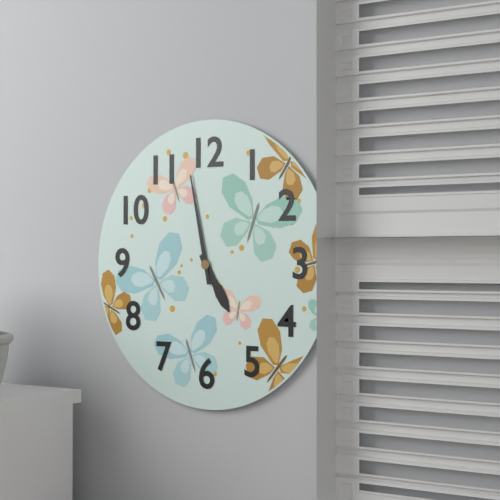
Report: 4 h 58 min
